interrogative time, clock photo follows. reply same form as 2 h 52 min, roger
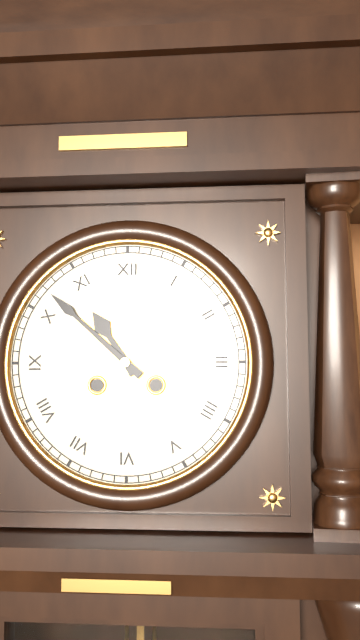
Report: 10 h 52 min
